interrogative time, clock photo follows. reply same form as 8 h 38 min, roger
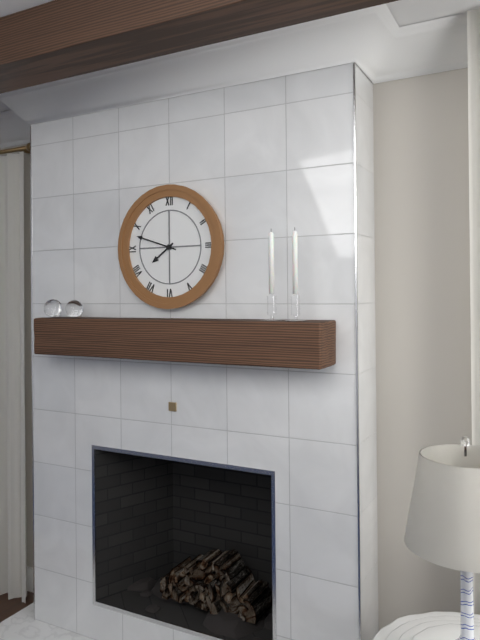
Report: 7 h 48 min
